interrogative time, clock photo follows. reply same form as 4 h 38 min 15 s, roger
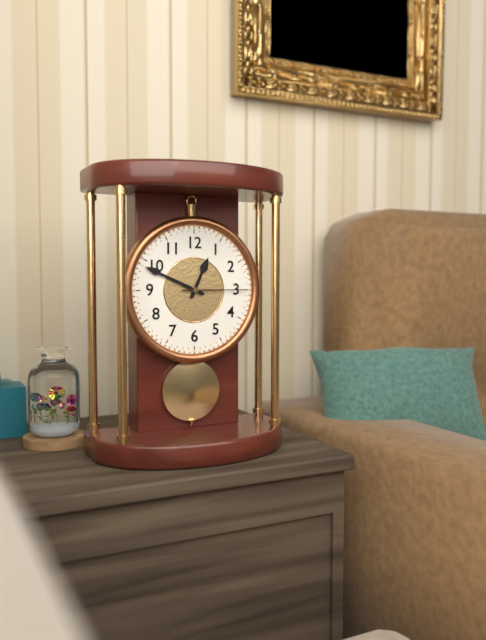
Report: 12 h 49 min 15 s
